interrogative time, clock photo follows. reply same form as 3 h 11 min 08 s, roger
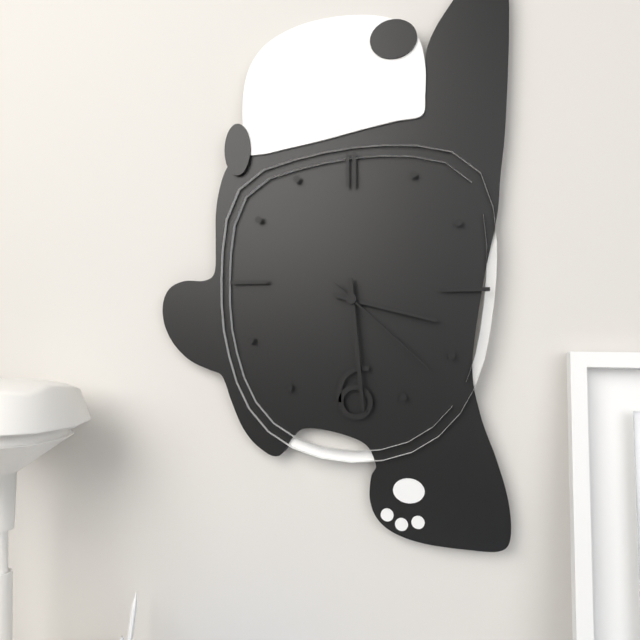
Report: 3 h 29 min 22 s
